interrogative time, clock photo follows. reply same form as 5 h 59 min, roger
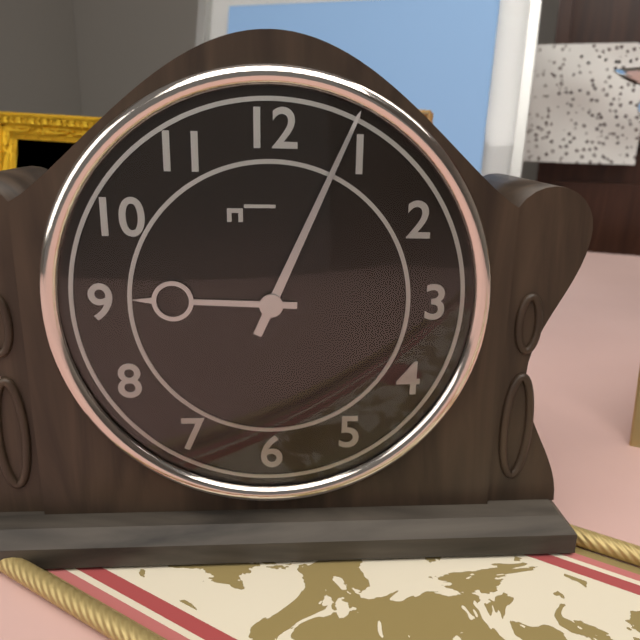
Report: 9 h 04 min
